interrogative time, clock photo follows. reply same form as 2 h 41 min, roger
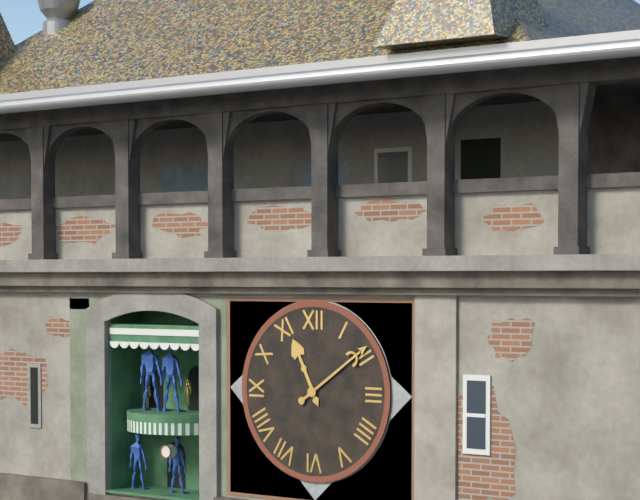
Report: 11 h 09 min
